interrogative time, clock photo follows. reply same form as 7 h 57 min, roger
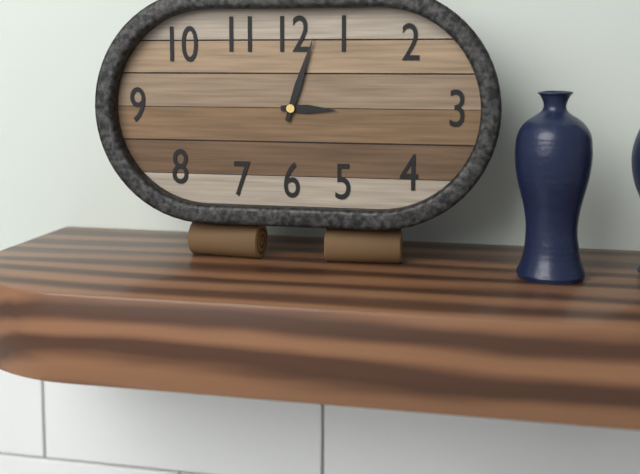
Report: 3 h 03 min
